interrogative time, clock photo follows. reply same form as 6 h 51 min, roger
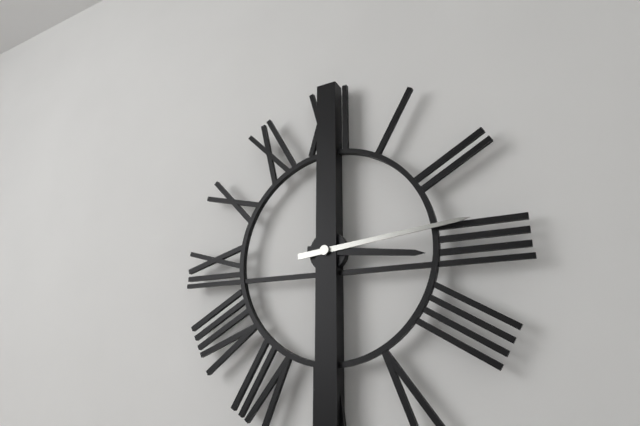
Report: 3 h 14 min
